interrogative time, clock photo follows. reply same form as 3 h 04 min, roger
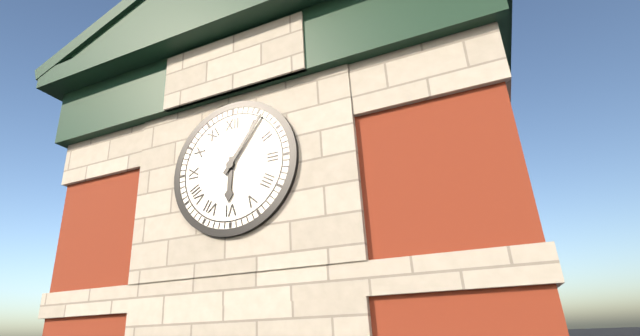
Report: 6 h 06 min
